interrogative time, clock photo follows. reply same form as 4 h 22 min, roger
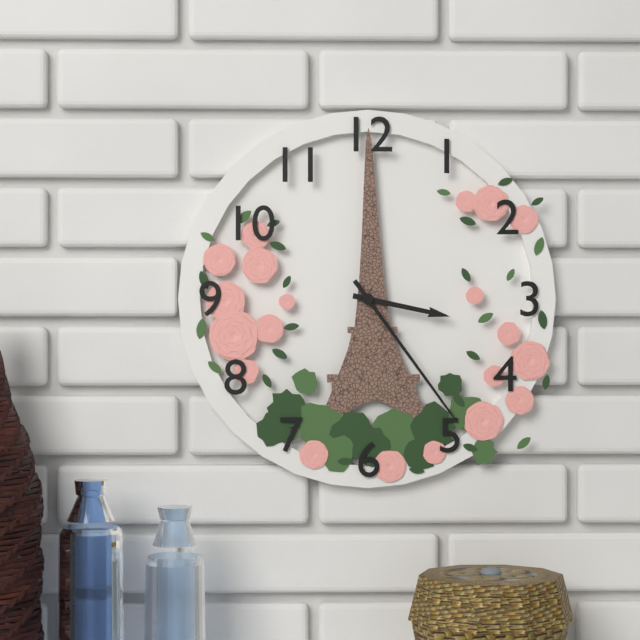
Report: 3 h 24 min
